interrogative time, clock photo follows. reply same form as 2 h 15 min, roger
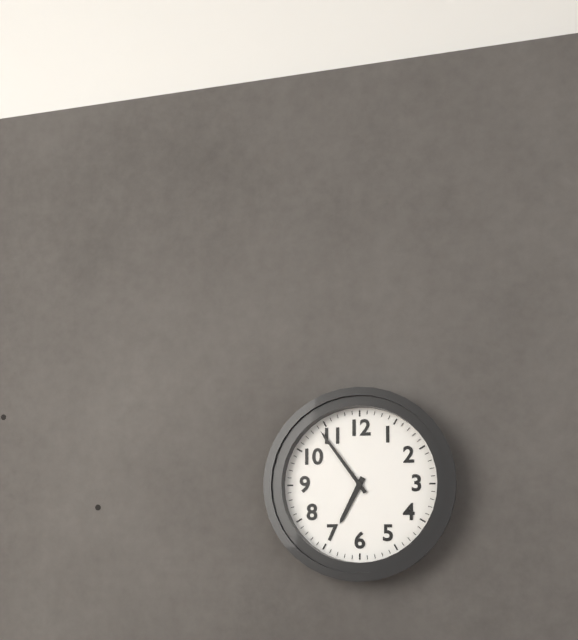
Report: 6 h 54 min
